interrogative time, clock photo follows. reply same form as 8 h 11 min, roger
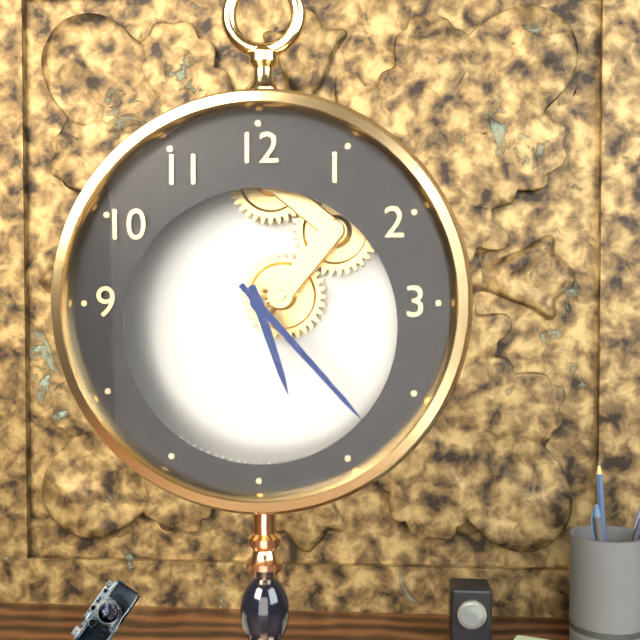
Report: 5 h 23 min
